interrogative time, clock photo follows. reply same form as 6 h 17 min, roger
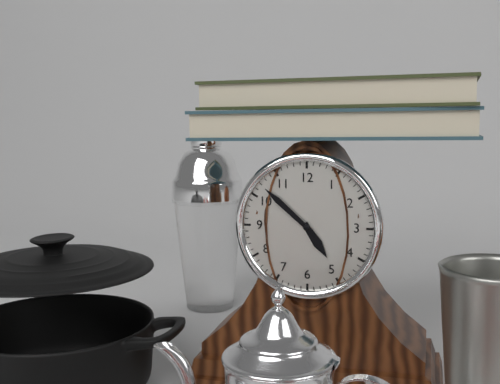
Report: 4 h 52 min
